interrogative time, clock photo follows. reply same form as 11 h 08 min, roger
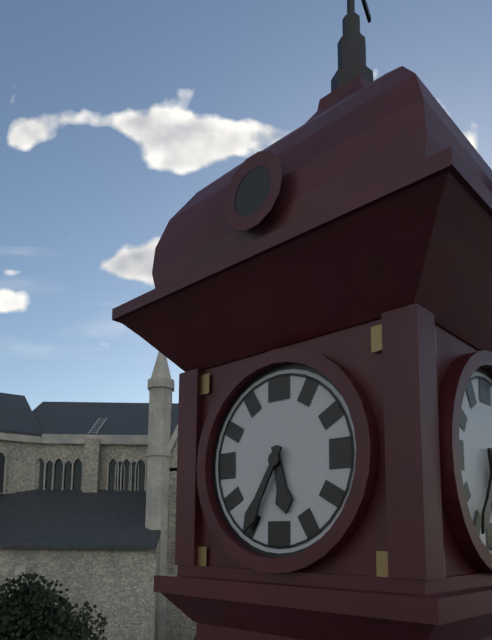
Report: 5 h 35 min
